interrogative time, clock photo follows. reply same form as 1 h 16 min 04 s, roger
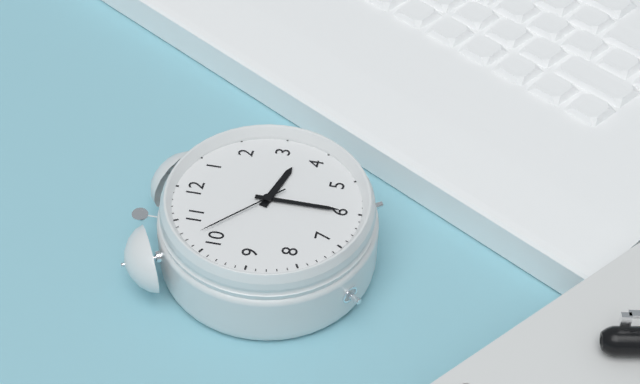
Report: 3 h 30 min 52 s
